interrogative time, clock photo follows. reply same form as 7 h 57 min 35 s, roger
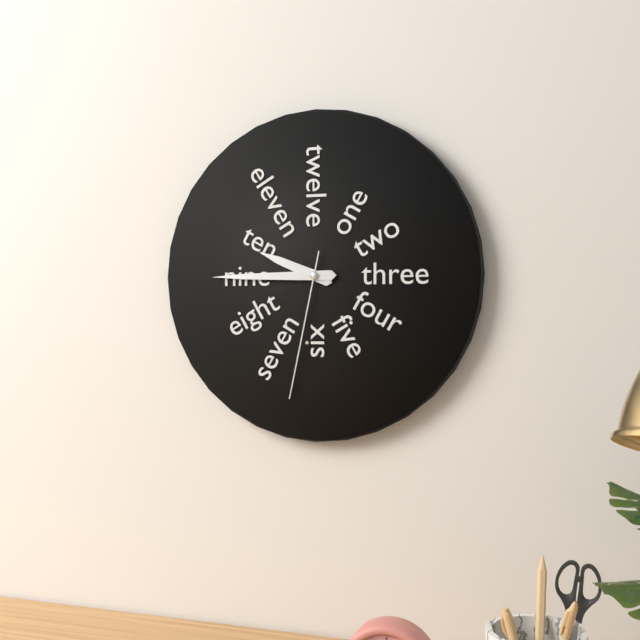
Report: 9 h 45 min 32 s
